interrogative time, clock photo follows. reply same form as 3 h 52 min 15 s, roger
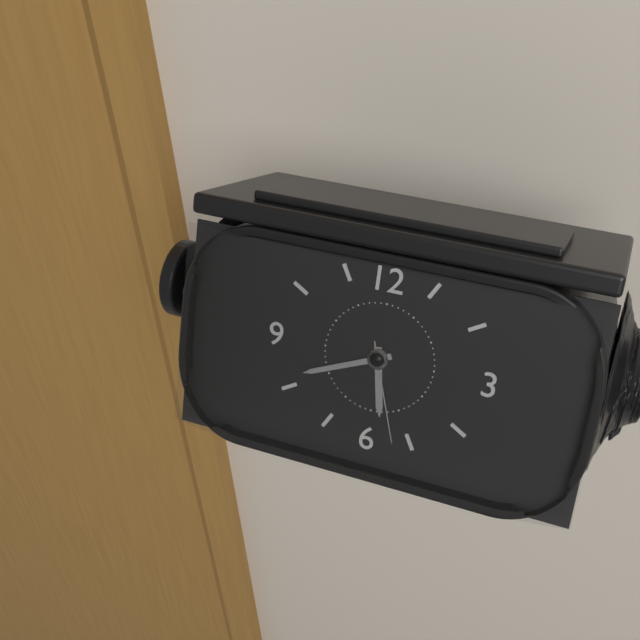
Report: 5 h 41 min 27 s
